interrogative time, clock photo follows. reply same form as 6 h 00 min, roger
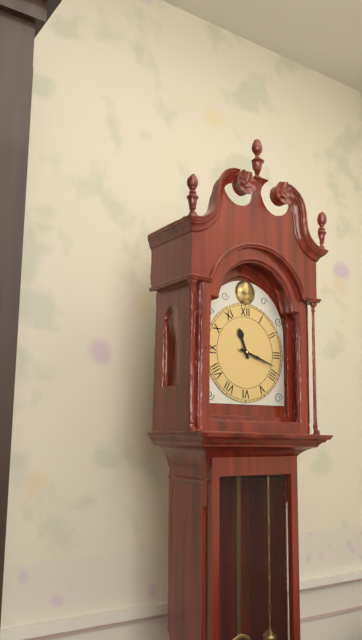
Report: 11 h 18 min
